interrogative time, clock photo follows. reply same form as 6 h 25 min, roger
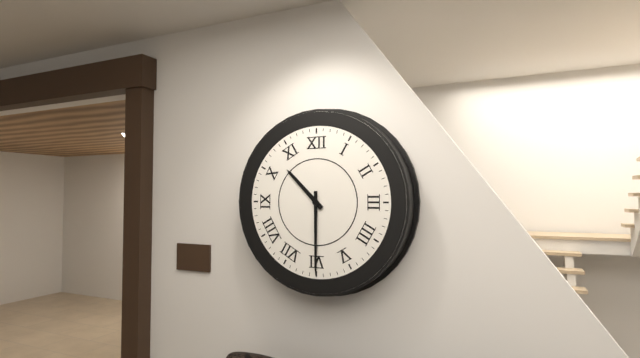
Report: 10 h 30 min
